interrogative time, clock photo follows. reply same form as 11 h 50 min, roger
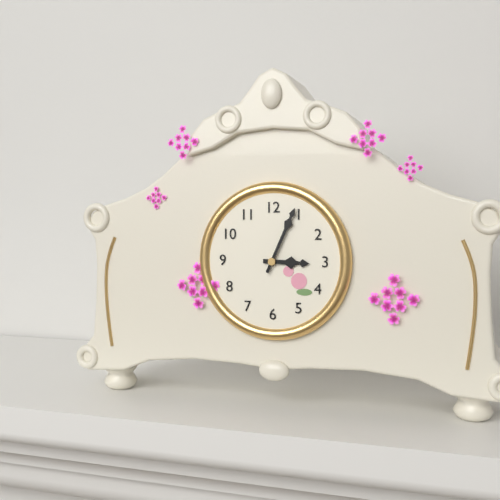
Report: 3 h 04 min
